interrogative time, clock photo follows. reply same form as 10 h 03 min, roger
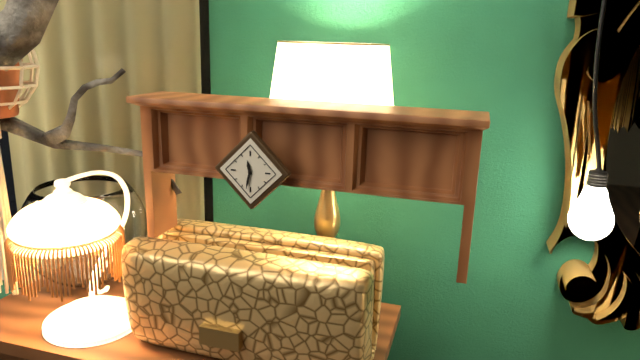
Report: 11 h 32 min
